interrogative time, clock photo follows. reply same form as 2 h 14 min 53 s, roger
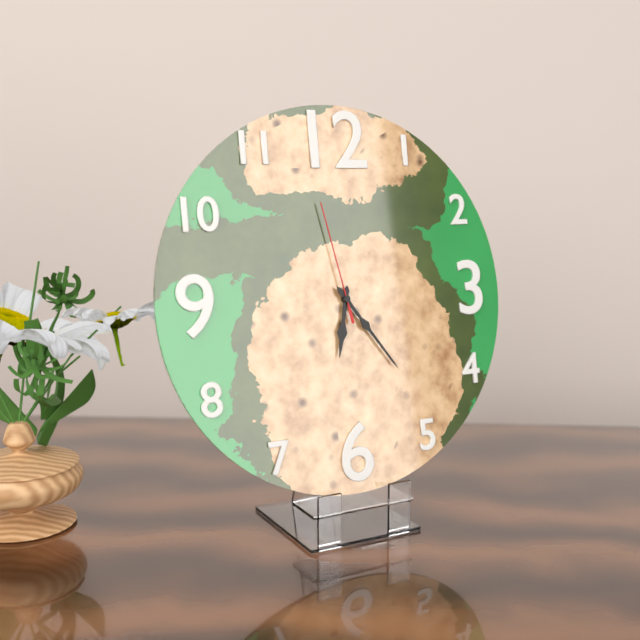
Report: 6 h 24 min 58 s
